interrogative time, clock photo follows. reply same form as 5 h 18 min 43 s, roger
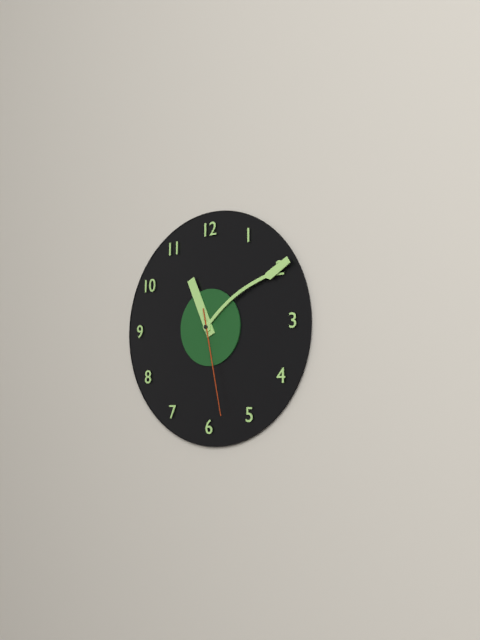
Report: 11 h 10 min 28 s
